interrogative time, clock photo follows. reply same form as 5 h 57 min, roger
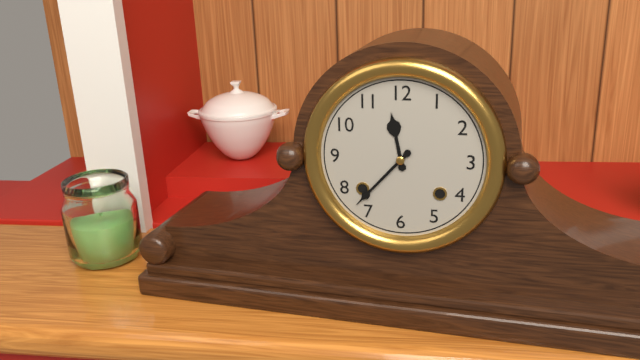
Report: 11 h 37 min
